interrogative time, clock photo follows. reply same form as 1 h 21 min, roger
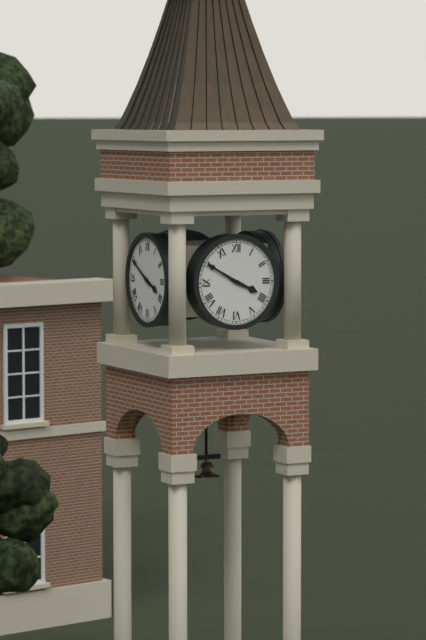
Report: 3 h 50 min
